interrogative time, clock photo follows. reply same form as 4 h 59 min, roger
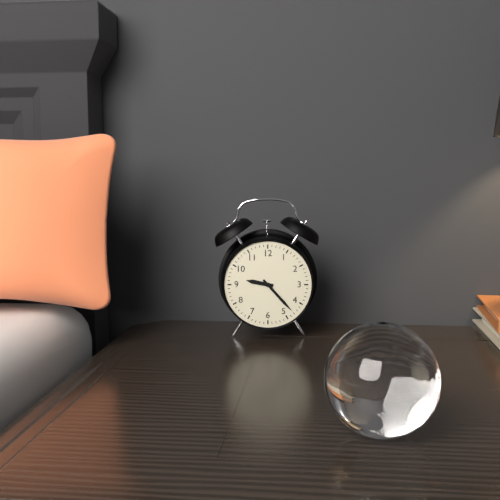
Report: 9 h 23 min
